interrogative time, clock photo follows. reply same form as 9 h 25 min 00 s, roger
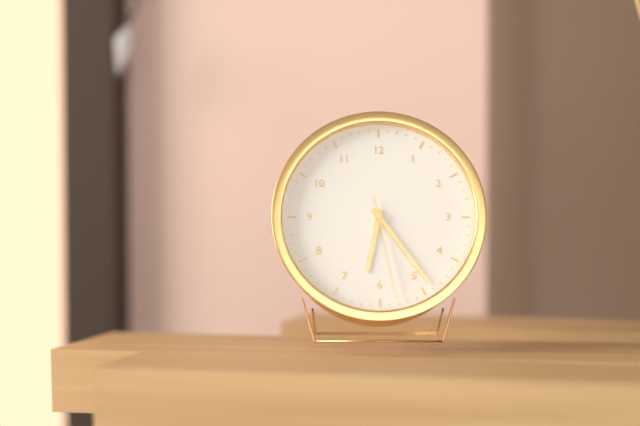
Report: 6 h 24 min 28 s
